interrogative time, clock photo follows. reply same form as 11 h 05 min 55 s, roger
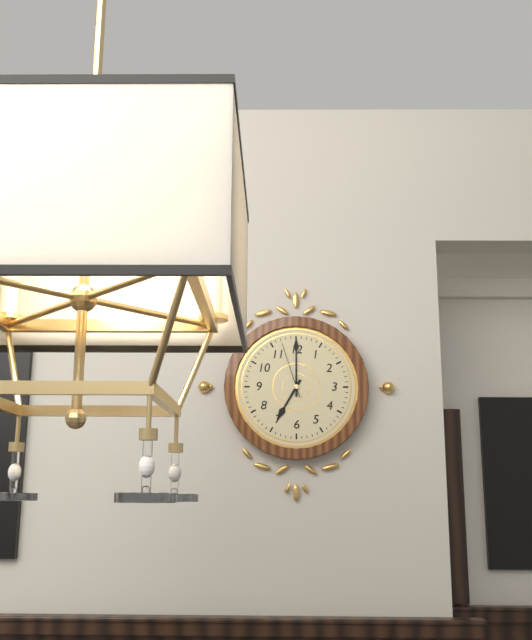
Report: 7 h 00 min 57 s
